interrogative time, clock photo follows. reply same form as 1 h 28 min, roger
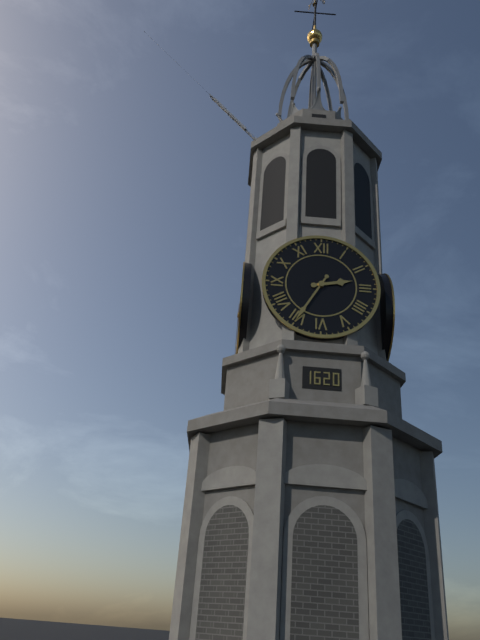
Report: 2 h 35 min
